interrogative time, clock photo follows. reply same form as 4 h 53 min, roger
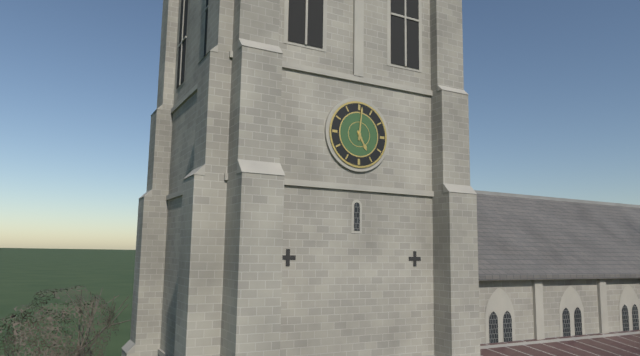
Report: 5 h 01 min
